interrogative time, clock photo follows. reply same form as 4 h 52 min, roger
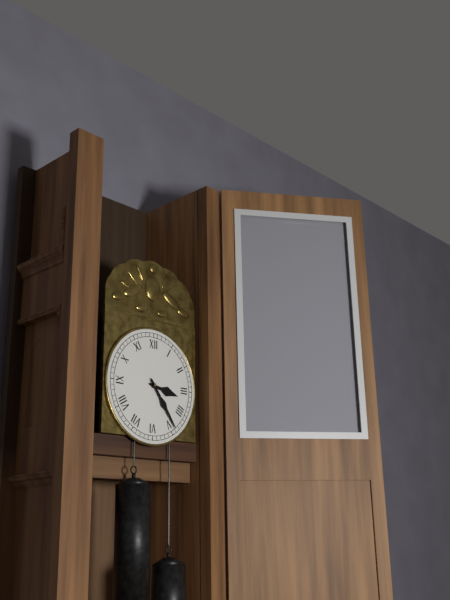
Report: 3 h 24 min
